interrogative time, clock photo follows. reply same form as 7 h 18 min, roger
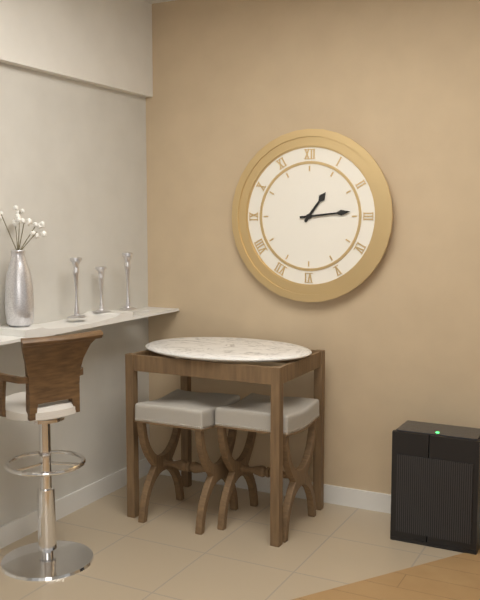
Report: 1 h 14 min
